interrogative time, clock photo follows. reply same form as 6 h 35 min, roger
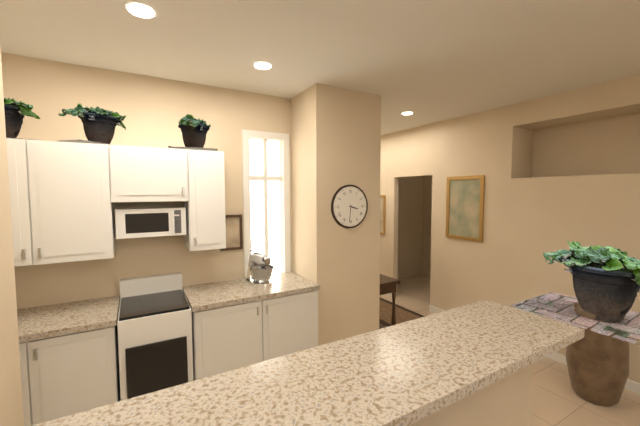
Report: 3 h 31 min
